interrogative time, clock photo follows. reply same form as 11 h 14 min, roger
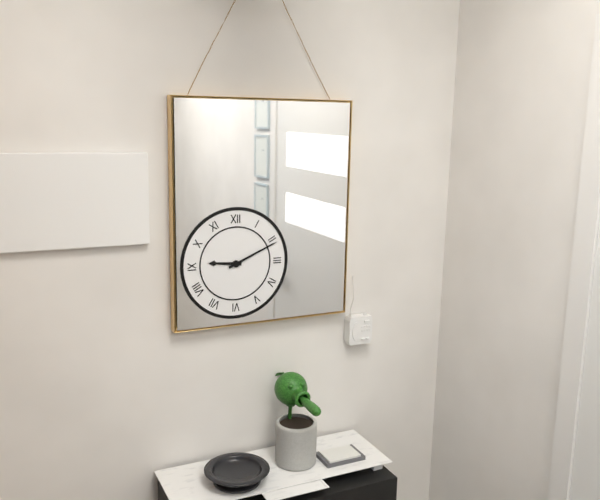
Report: 9 h 11 min
